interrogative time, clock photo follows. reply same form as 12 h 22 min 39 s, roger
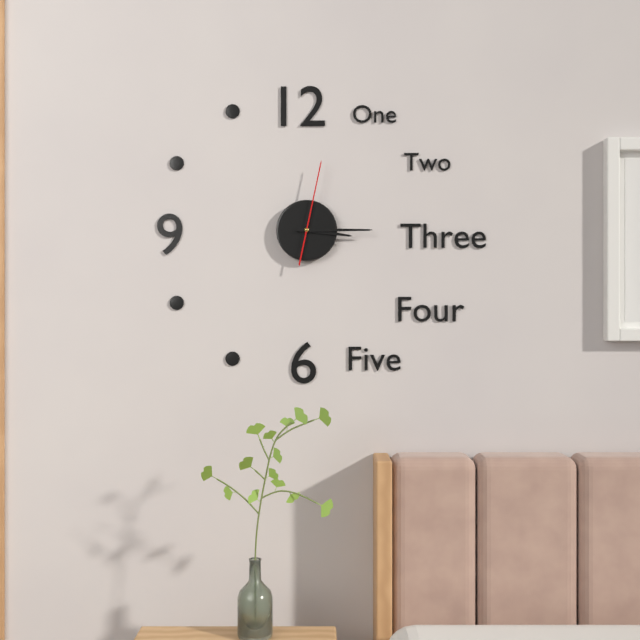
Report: 3 h 15 min 02 s
